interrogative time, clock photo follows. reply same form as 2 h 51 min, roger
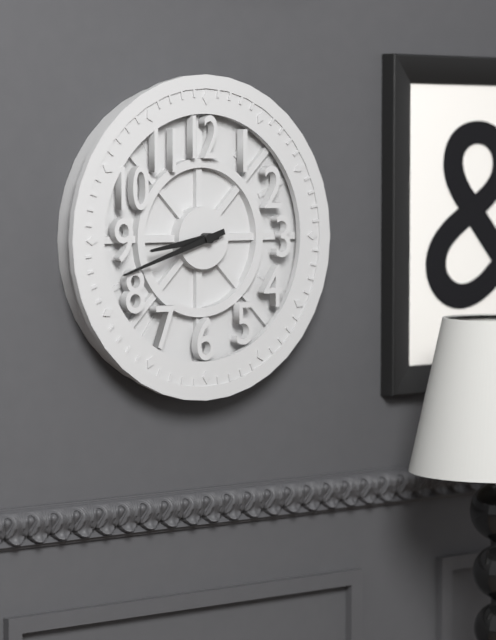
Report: 8 h 42 min
